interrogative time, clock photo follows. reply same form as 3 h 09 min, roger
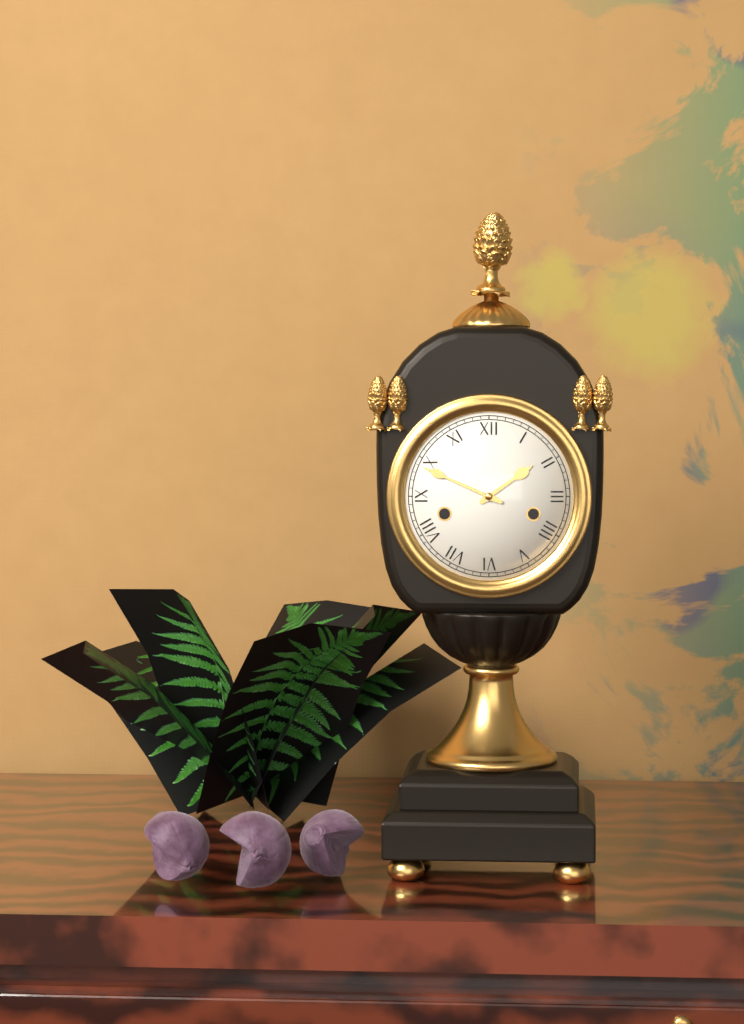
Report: 1 h 49 min
